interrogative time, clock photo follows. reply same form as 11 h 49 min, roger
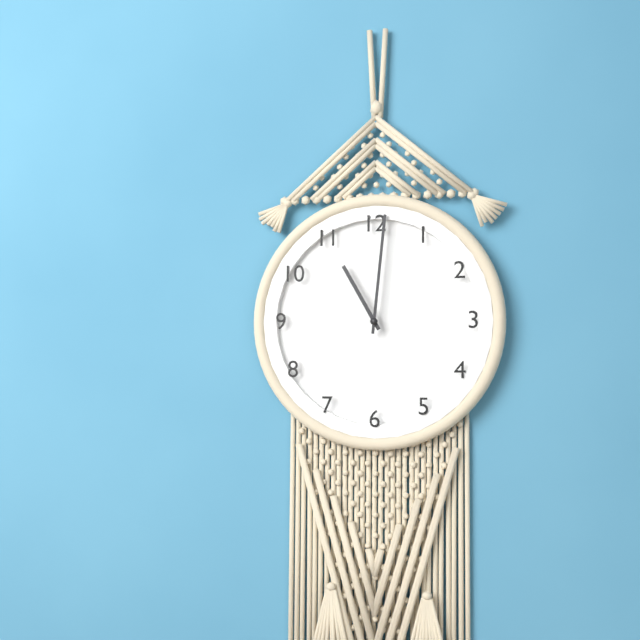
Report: 11 h 01 min
